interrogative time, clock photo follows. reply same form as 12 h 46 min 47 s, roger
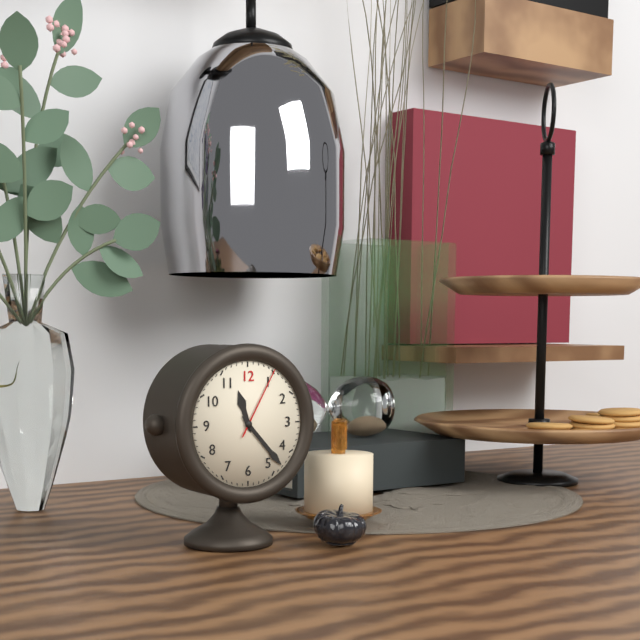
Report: 11 h 23 min 05 s
